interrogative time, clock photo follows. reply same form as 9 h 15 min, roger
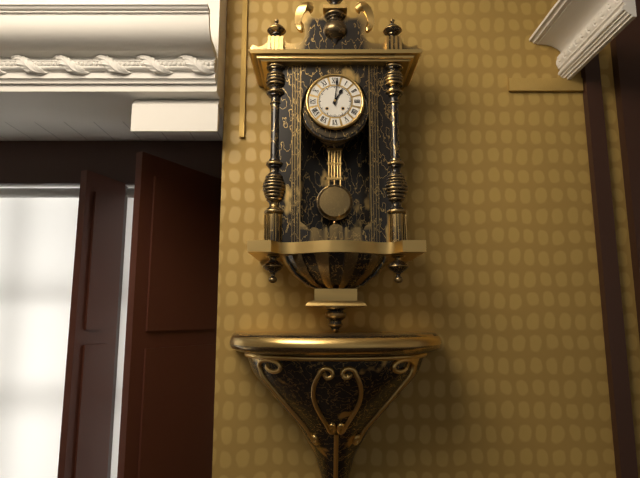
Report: 1 h 01 min
